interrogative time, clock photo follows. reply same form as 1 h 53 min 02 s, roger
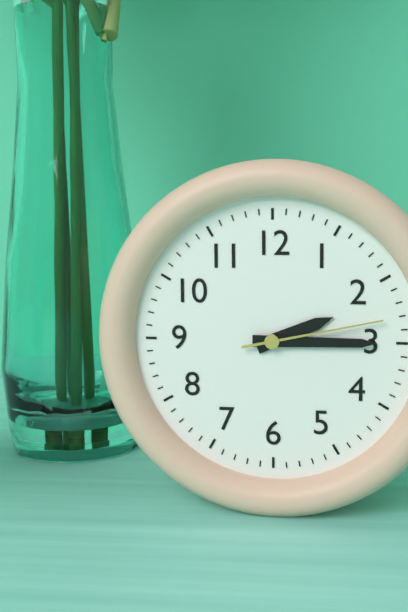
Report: 2 h 15 min 13 s
